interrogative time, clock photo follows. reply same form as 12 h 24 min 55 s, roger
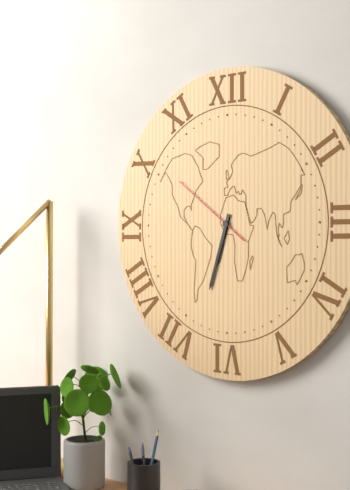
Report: 6 h 33 min 51 s
